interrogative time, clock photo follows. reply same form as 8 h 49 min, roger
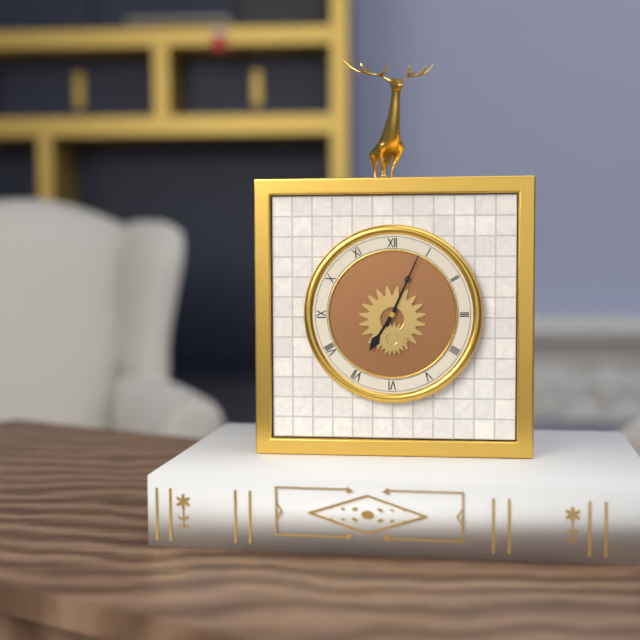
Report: 7 h 04 min
